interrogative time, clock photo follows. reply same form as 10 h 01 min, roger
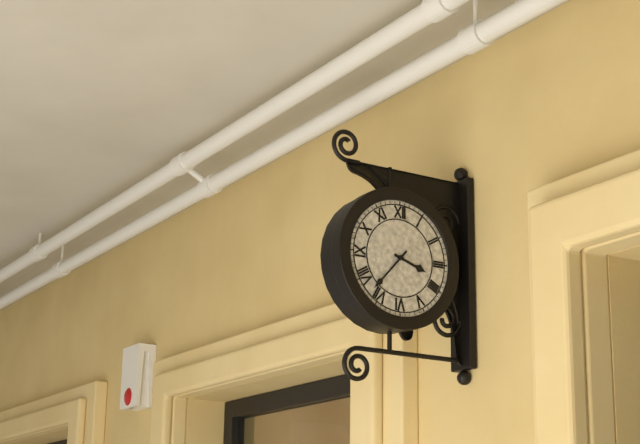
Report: 3 h 37 min
